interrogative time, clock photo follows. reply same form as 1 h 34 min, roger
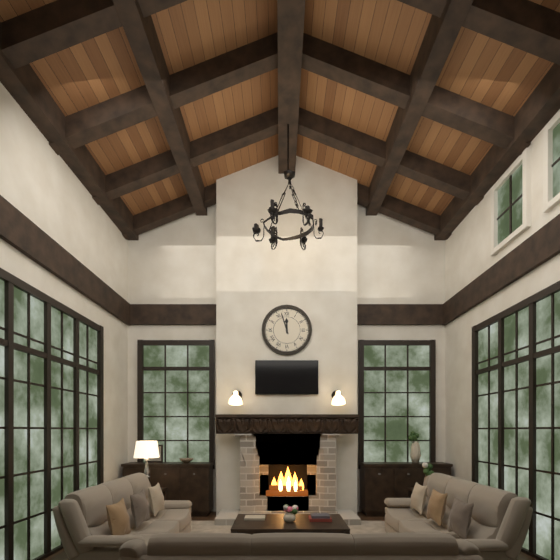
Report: 11 h 57 min
